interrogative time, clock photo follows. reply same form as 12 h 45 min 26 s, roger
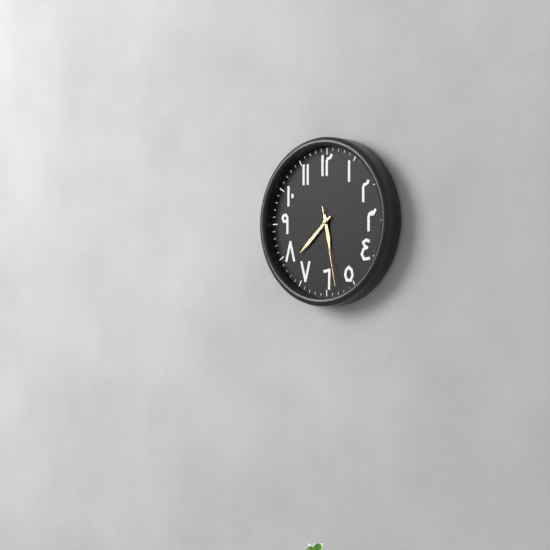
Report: 5 h 38 min 28 s
